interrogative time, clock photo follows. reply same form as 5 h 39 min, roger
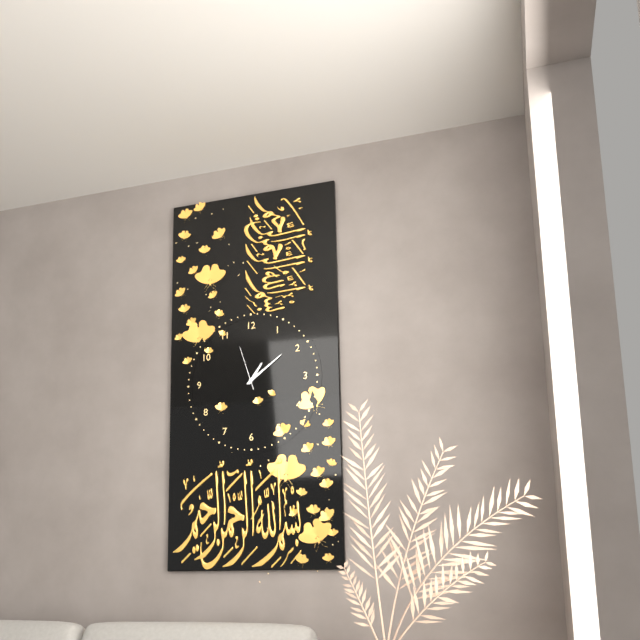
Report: 1 h 09 min
